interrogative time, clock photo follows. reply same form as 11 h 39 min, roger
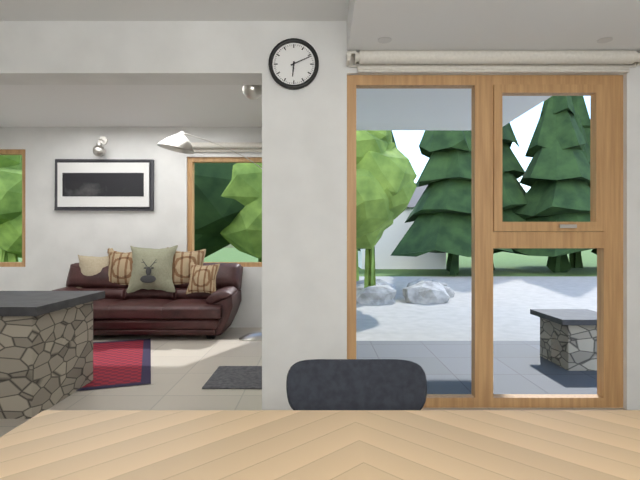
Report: 6 h 11 min
